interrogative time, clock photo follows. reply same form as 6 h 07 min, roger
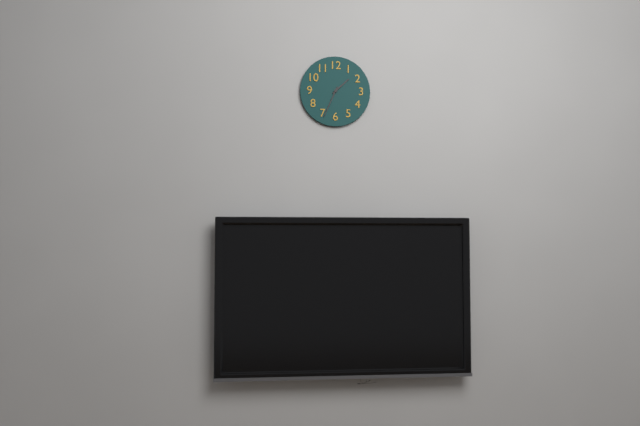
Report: 1 h 34 min
